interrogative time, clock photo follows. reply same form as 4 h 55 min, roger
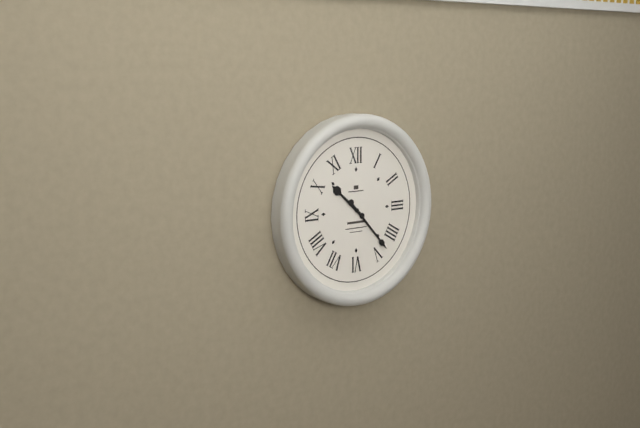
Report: 10 h 23 min
